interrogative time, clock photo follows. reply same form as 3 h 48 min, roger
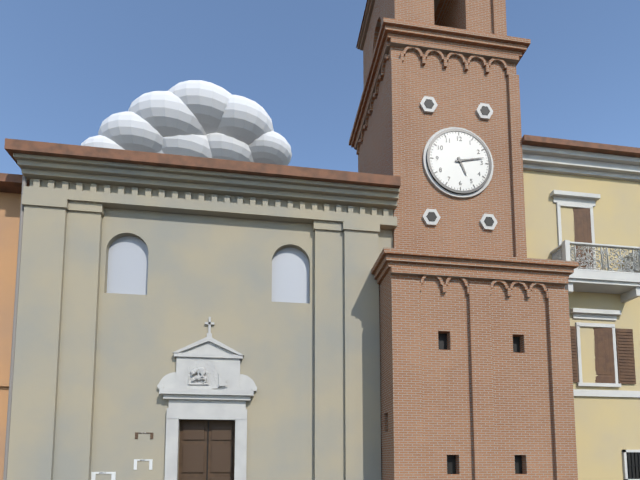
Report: 5 h 13 min
